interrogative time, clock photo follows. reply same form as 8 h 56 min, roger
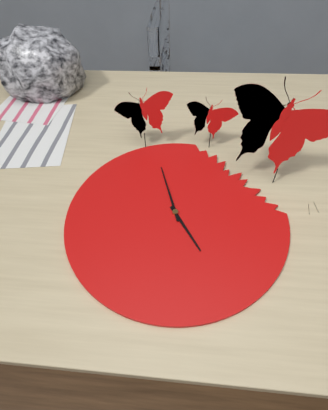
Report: 4 h 57 min
